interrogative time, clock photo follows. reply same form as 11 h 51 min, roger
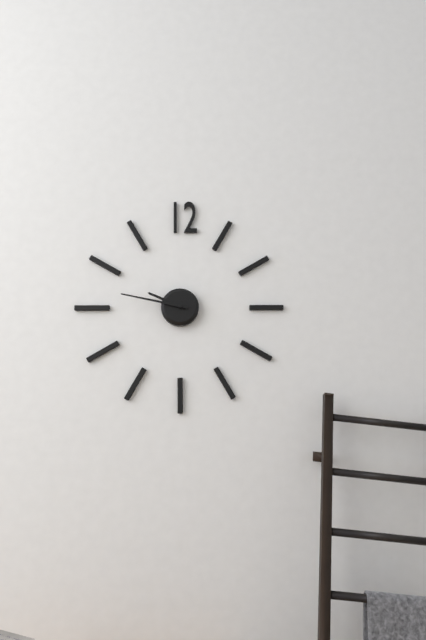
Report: 9 h 47 min
